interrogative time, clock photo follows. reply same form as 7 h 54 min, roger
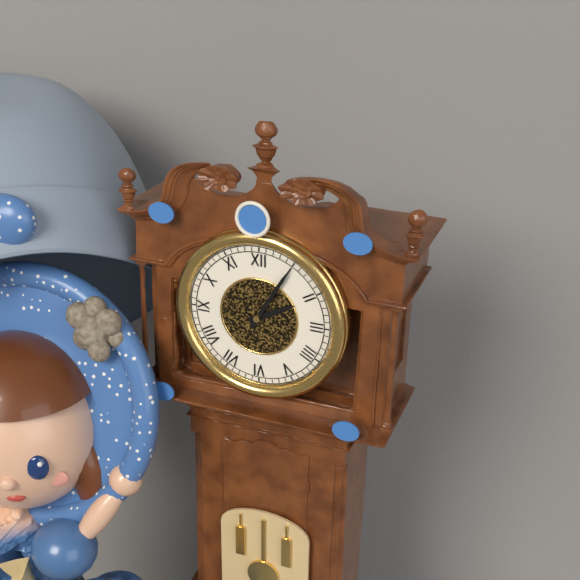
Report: 2 h 05 min
